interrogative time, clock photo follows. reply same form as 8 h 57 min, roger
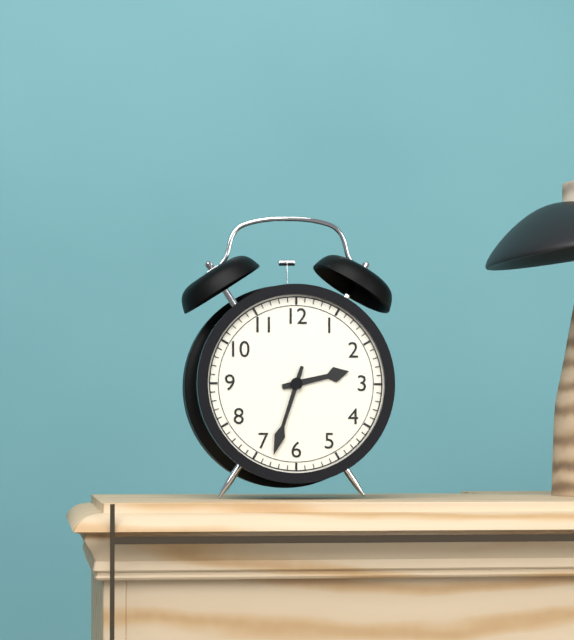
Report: 2 h 33 min
